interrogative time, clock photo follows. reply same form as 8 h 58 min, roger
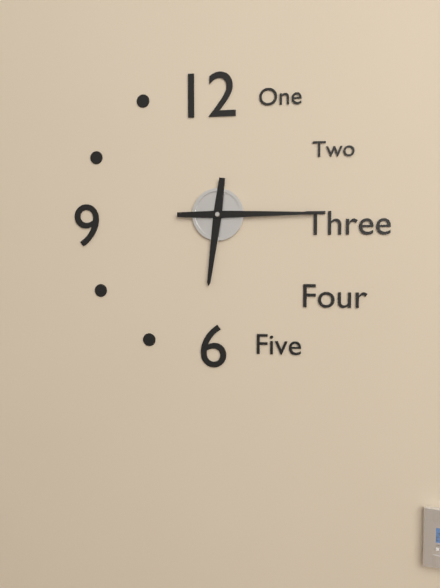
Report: 6 h 15 min
